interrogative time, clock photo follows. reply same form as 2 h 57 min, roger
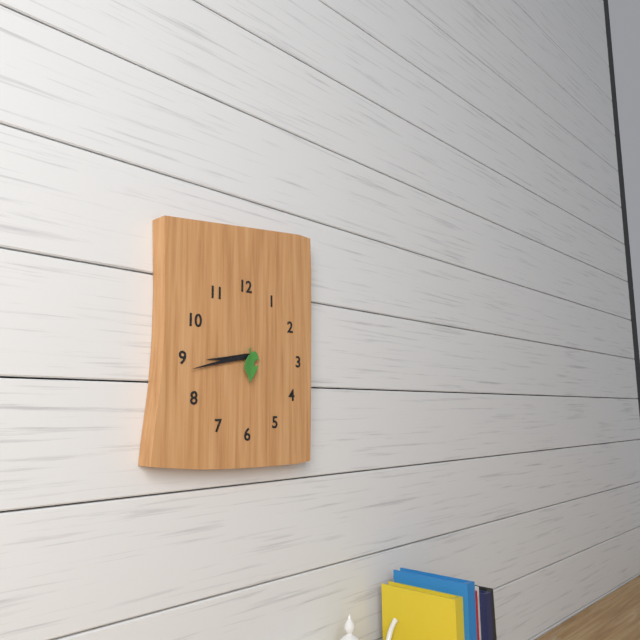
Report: 8 h 43 min
